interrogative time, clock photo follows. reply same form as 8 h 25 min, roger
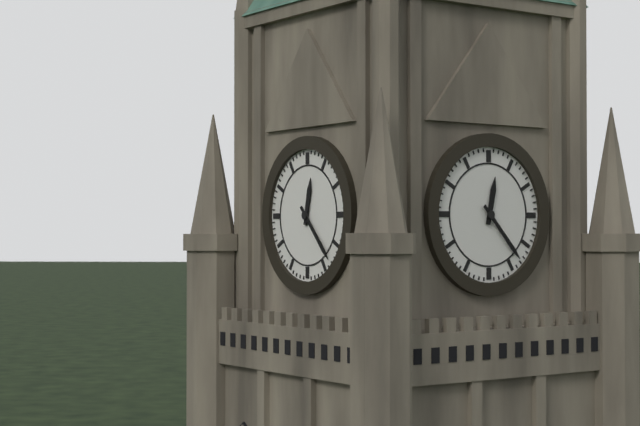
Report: 12 h 23 min
